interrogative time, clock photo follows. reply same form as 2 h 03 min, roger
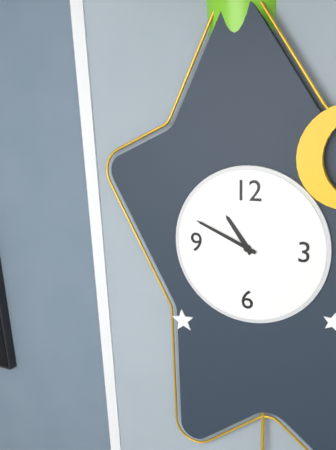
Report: 10 h 49 min
